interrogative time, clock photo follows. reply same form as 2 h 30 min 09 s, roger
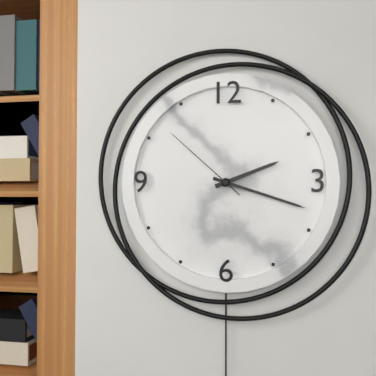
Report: 2 h 18 min 52 s
